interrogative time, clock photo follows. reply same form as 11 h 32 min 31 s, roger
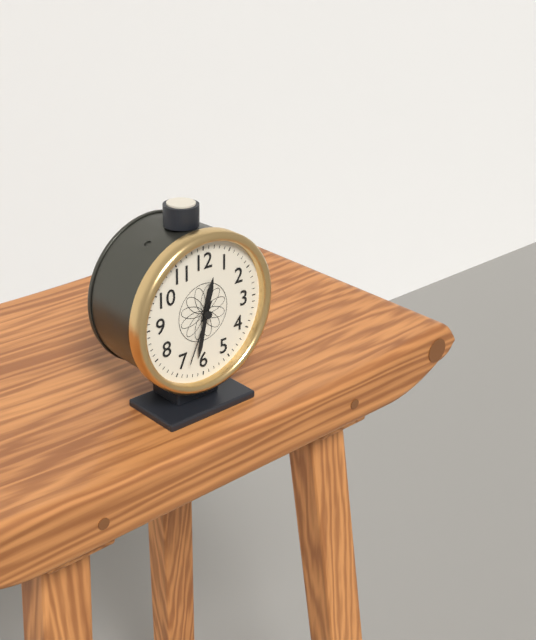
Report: 12 h 32 min 34 s
